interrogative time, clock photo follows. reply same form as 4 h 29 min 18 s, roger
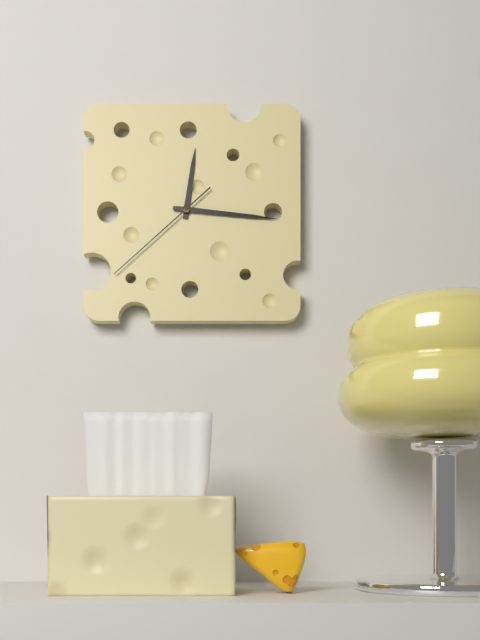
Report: 12 h 16 min 38 s
